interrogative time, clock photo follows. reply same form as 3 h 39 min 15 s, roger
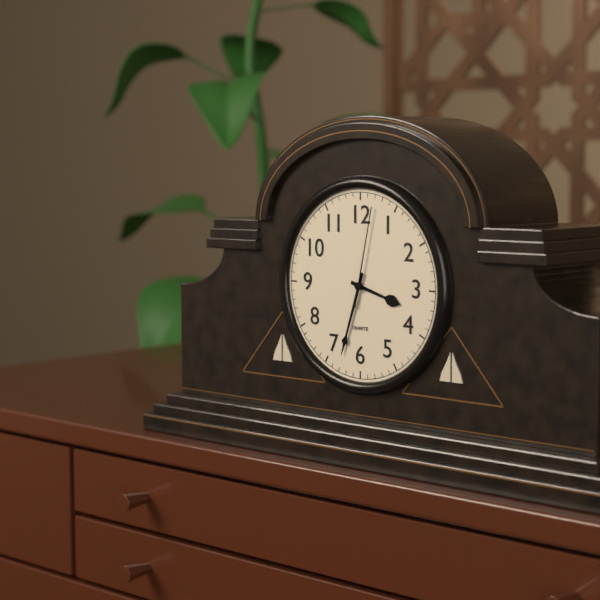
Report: 3 h 33 min 02 s
